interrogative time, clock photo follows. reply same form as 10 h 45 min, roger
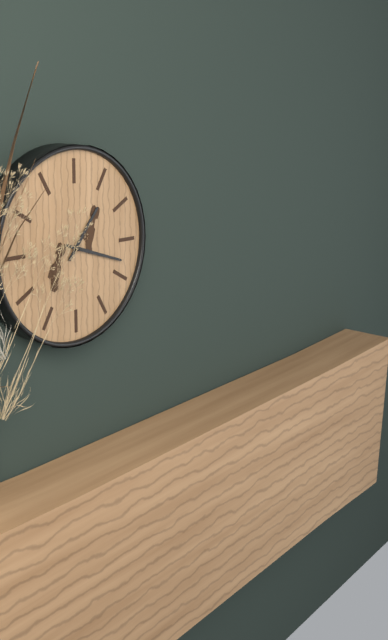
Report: 1 h 18 min
